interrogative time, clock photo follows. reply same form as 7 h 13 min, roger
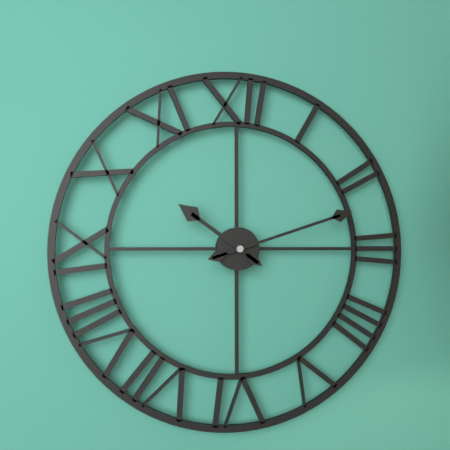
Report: 10 h 12 min
